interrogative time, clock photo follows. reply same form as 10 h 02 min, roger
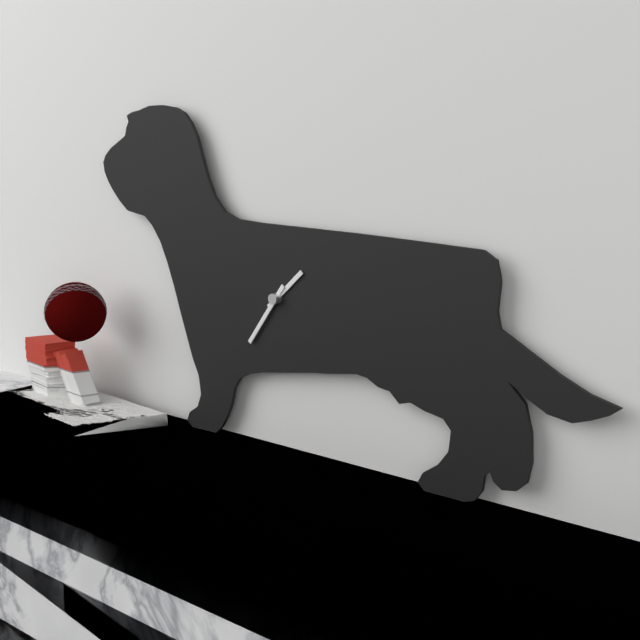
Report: 1 h 36 min
